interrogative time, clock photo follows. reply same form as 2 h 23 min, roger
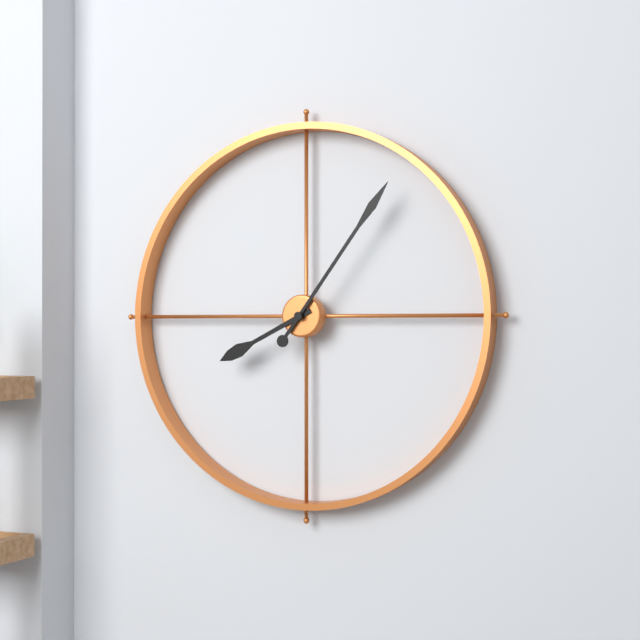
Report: 8 h 06 min
